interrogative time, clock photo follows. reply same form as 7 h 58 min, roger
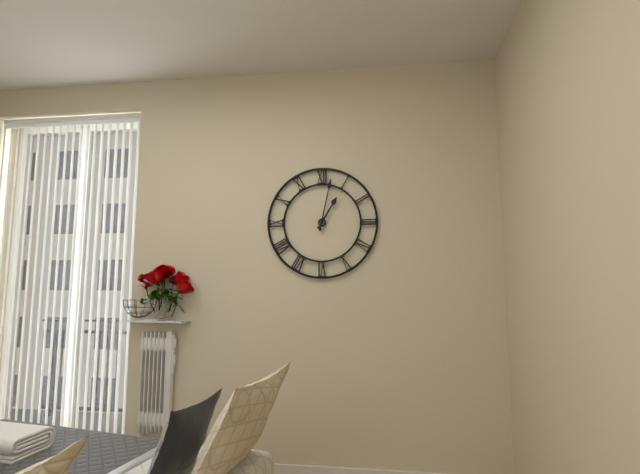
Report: 1 h 02 min
